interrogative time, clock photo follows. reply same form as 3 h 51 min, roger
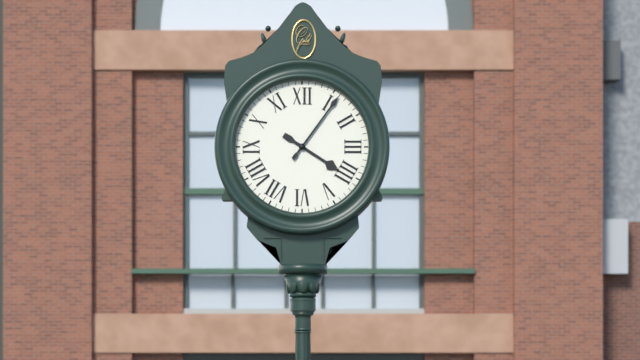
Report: 4 h 06 min
